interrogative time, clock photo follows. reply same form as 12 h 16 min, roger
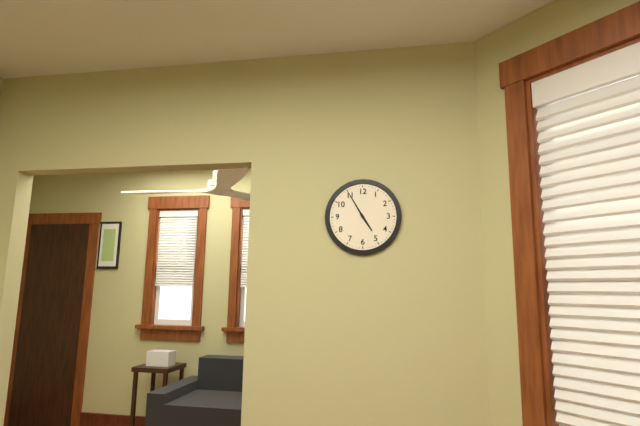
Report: 4 h 55 min
